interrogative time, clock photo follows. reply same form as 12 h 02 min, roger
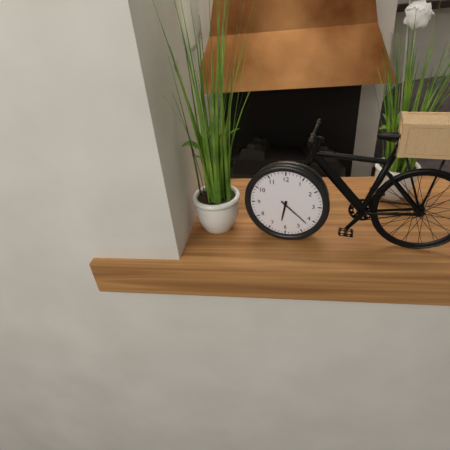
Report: 6 h 22 min
